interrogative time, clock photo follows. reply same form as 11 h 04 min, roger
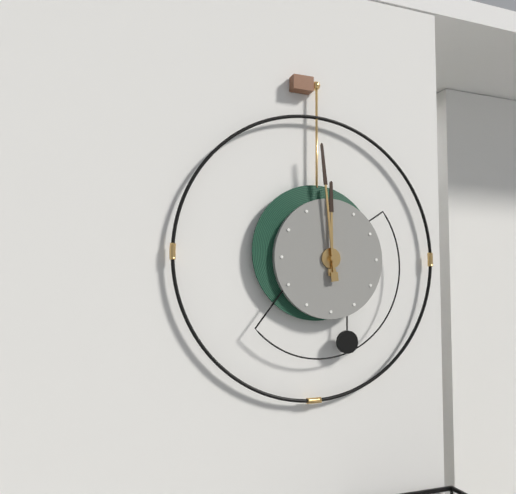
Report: 11 h 59 min
